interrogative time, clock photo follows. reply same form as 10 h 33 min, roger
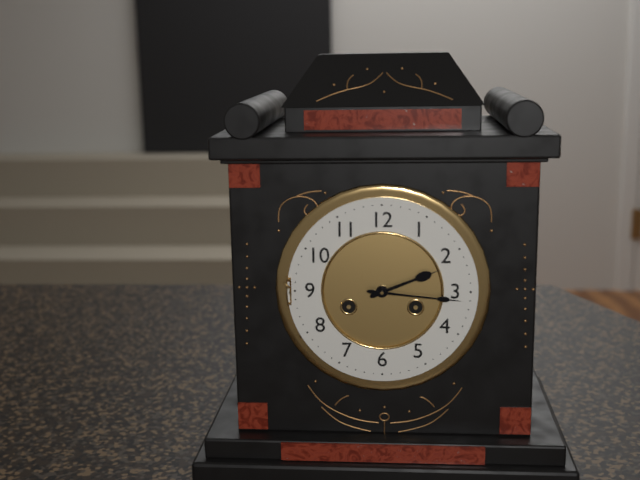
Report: 2 h 16 min
